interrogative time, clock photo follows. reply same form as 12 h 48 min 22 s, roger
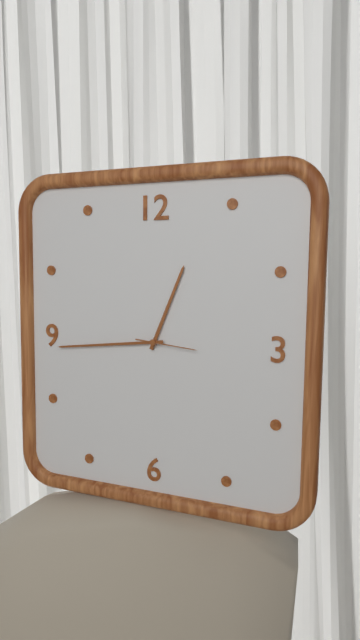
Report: 12 h 44 min 16 s
